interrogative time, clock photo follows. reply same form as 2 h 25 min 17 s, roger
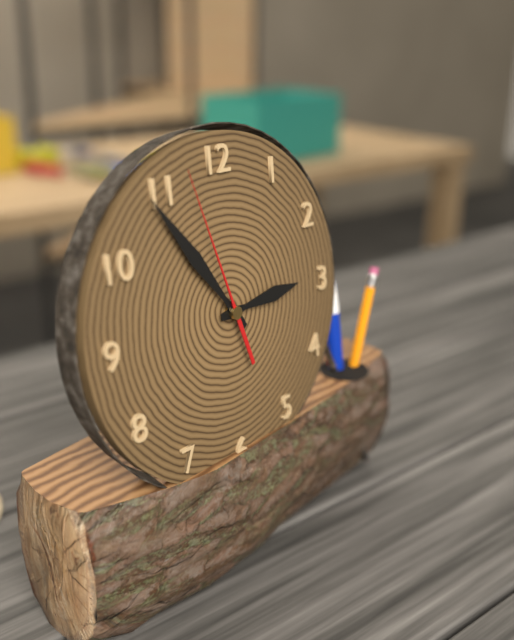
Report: 2 h 54 min 57 s
